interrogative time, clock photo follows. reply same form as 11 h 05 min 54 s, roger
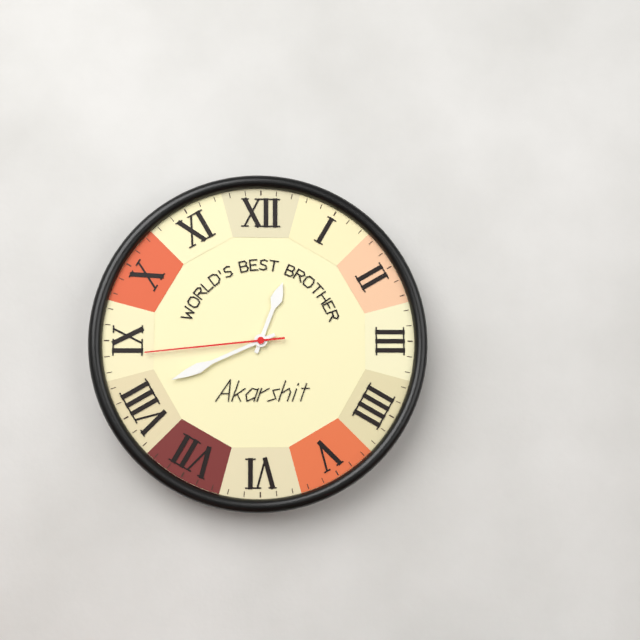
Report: 12 h 41 min 44 s
